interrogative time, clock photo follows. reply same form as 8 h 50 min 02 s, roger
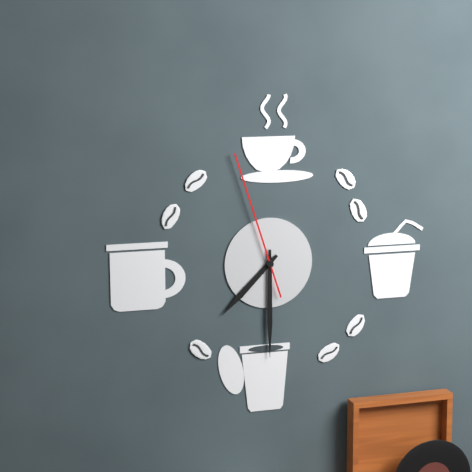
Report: 7 h 30 min 57 s
